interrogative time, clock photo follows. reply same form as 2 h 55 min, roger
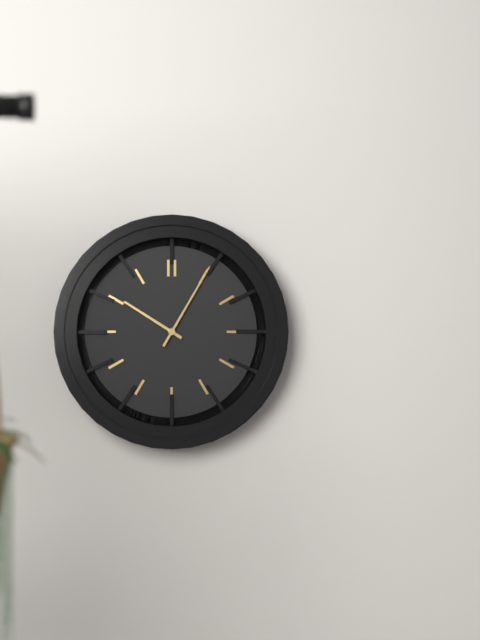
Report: 10 h 05 min
